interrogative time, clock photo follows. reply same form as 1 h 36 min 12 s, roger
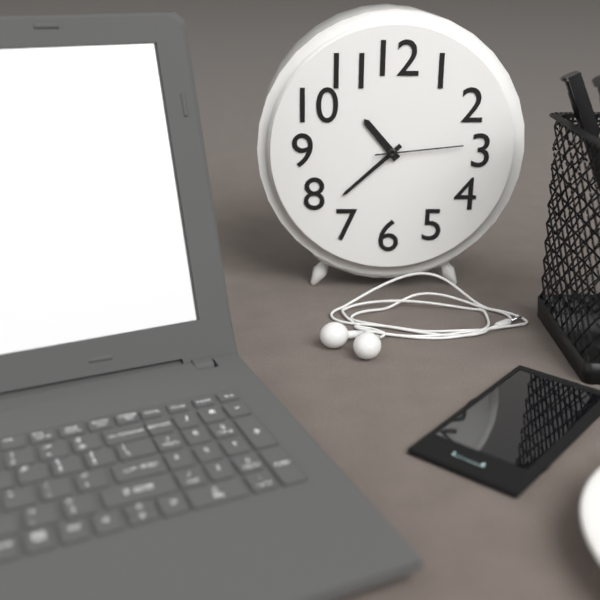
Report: 10 h 38 min 14 s
